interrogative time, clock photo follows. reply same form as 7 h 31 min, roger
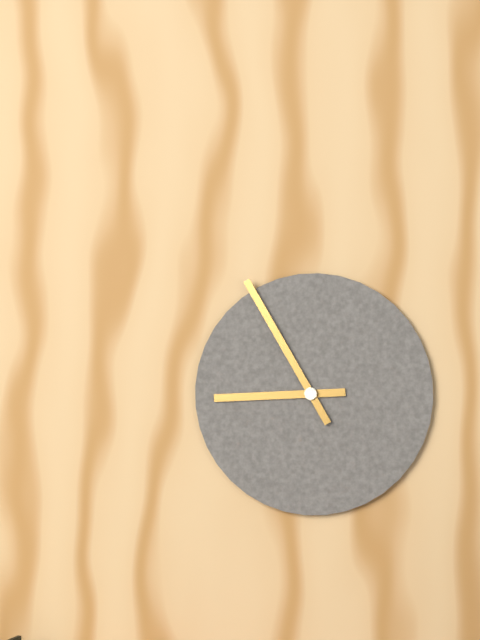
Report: 8 h 55 min
